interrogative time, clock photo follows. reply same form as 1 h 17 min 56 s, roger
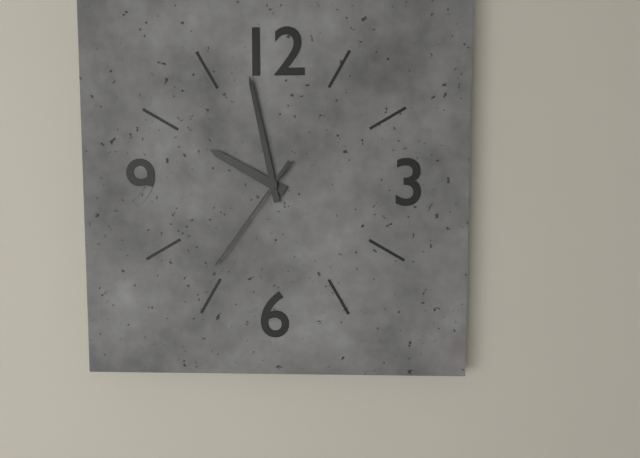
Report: 9 h 58 min 36 s
